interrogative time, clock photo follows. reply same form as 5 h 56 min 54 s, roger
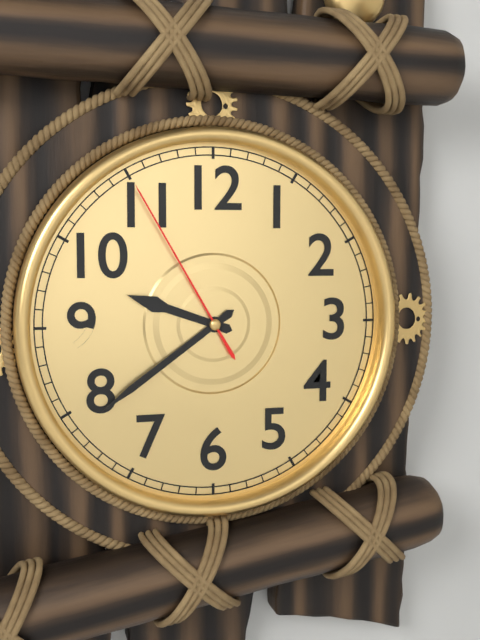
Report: 9 h 39 min 55 s
